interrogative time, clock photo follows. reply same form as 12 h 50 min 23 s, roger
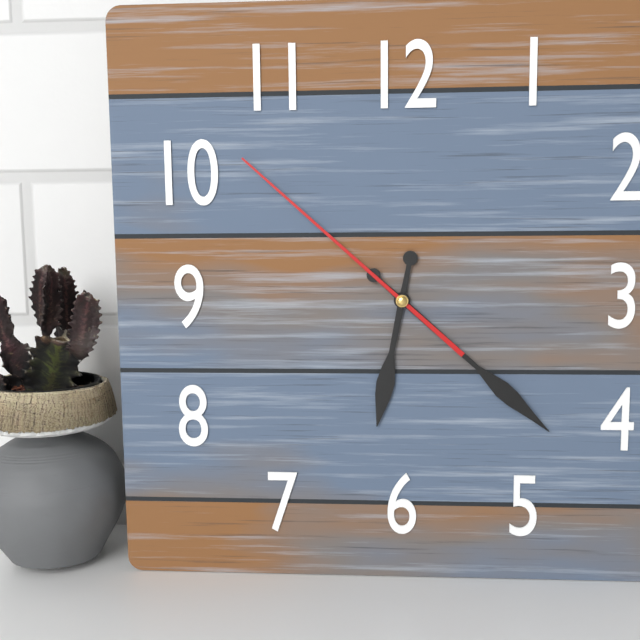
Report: 6 h 22 min 52 s
